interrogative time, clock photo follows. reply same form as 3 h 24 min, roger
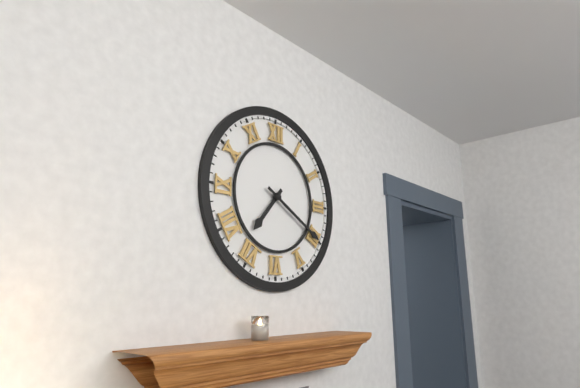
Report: 7 h 20 min
